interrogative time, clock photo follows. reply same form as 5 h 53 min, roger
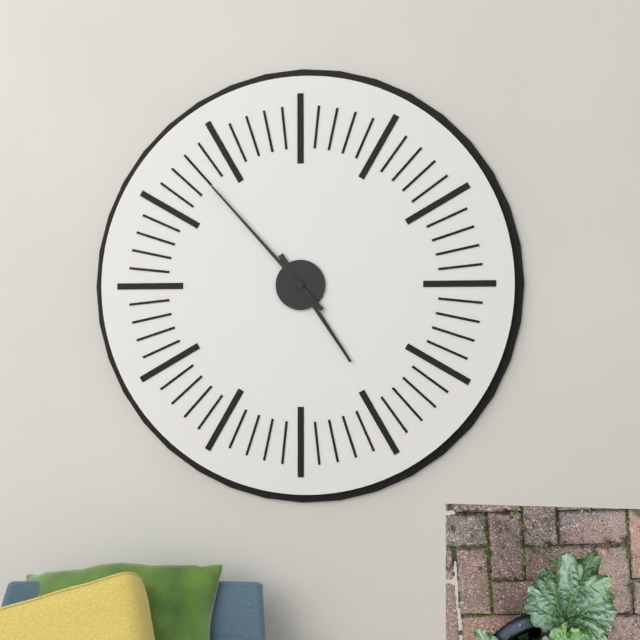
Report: 4 h 53 min
